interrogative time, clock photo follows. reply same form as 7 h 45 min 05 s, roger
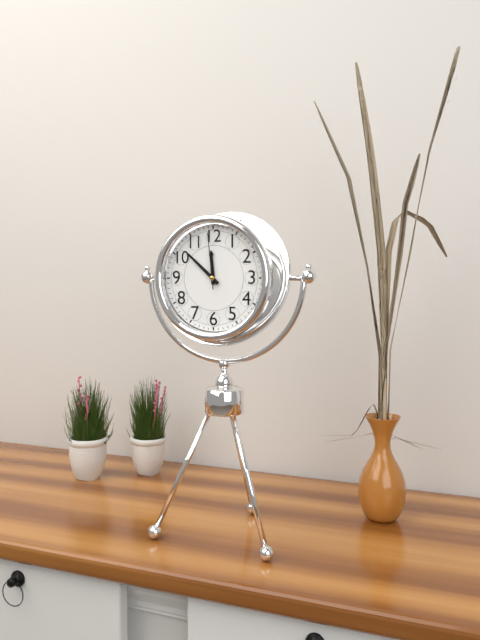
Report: 11 h 52 min 59 s
